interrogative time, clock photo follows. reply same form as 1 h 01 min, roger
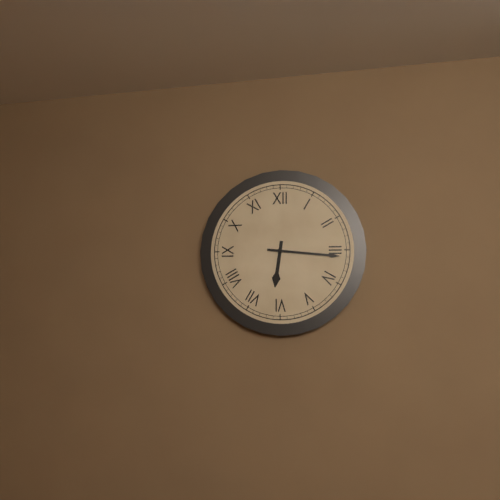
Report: 6 h 16 min
